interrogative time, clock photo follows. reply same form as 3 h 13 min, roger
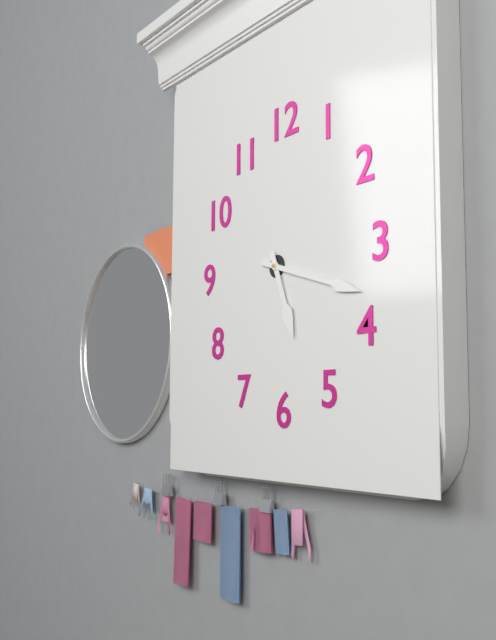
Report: 5 h 18 min
